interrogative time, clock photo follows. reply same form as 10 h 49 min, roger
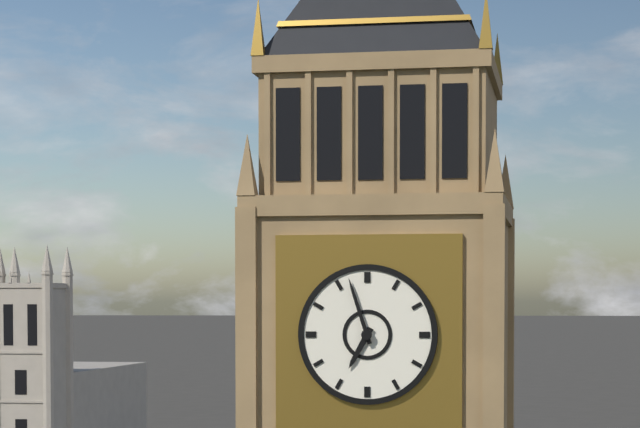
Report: 6 h 57 min
